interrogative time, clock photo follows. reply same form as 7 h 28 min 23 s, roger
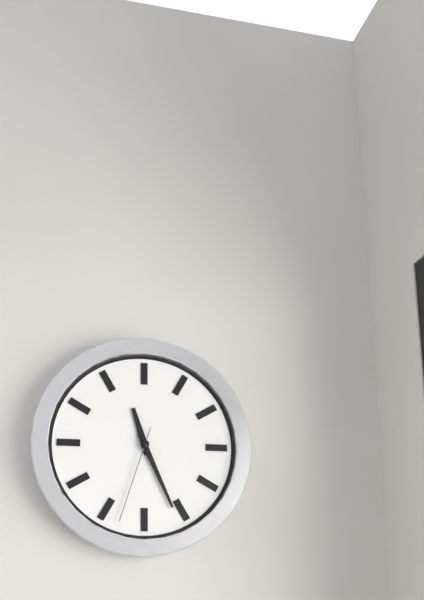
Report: 11 h 26 min 33 s
